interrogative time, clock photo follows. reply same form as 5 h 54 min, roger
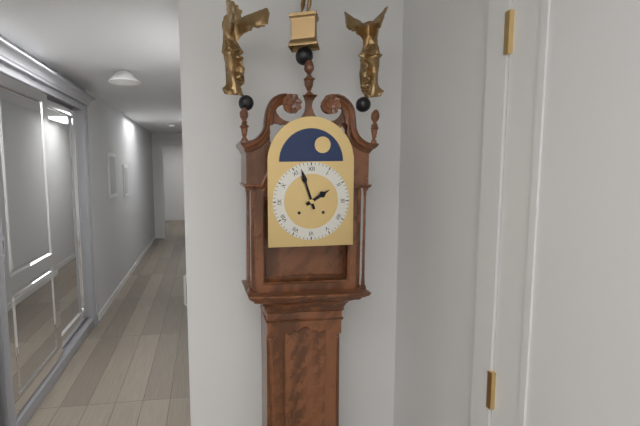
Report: 1 h 57 min
